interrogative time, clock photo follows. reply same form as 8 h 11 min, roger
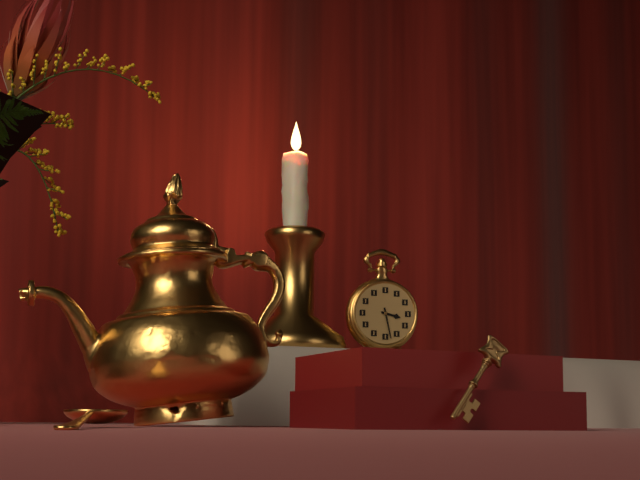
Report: 3 h 28 min
